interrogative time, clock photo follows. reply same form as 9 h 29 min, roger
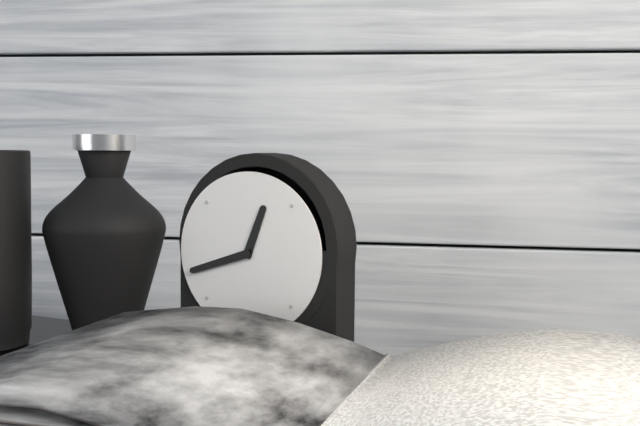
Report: 12 h 42 min
